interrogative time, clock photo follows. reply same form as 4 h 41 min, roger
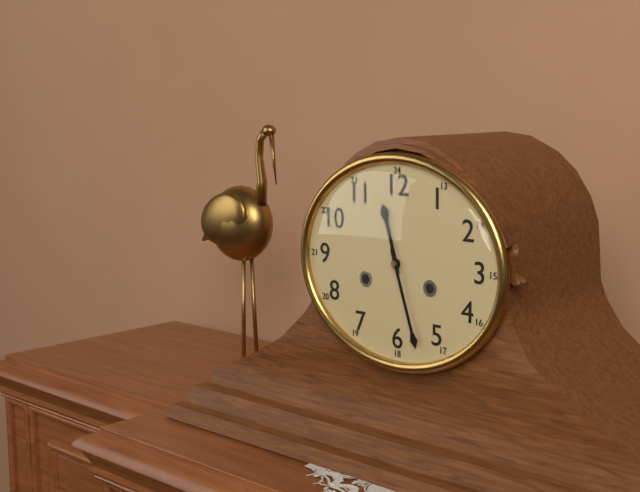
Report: 11 h 27 min
